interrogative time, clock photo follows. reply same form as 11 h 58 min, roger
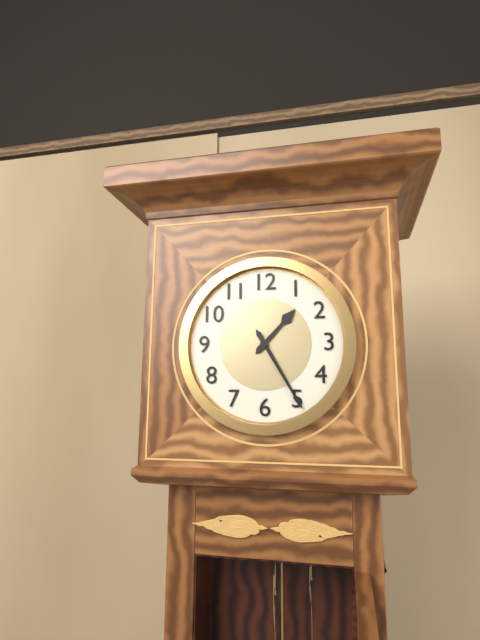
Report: 1 h 25 min
